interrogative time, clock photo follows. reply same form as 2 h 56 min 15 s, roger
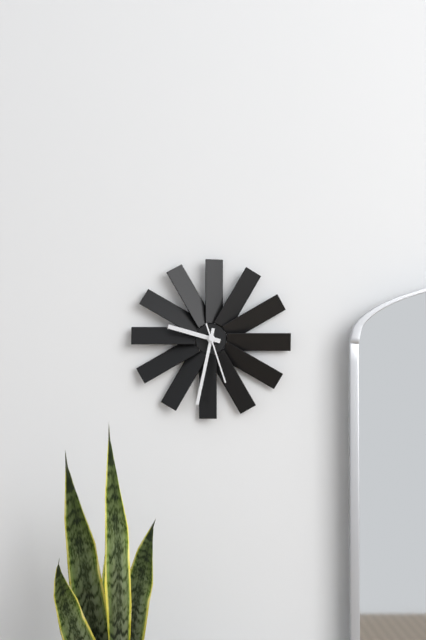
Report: 9 h 32 min 27 s
